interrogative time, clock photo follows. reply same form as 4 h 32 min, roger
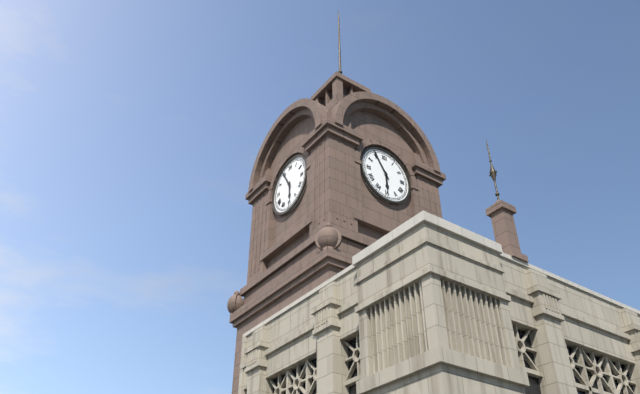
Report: 5 h 55 min
